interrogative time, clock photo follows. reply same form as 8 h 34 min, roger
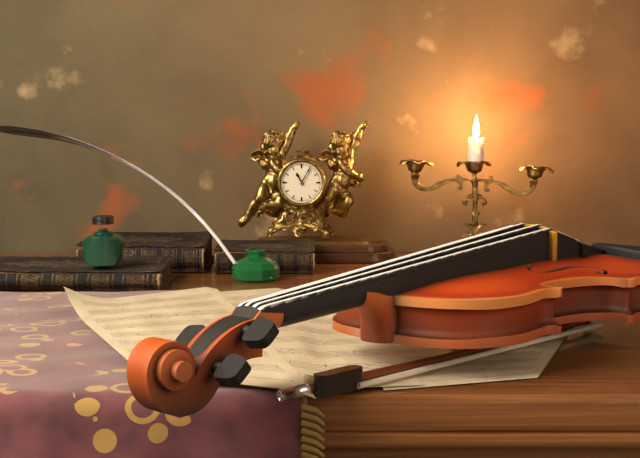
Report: 11 h 05 min
